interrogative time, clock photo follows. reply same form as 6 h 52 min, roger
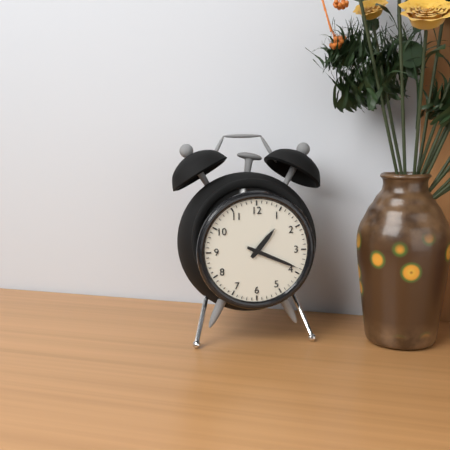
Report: 1 h 19 min
